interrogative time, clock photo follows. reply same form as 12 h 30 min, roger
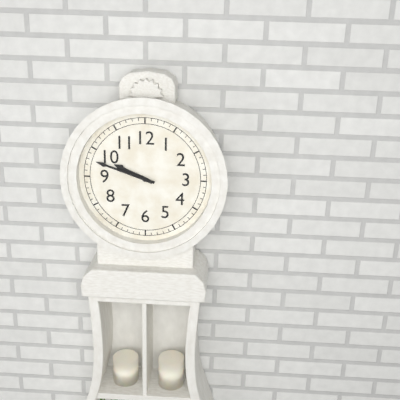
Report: 9 h 48 min
